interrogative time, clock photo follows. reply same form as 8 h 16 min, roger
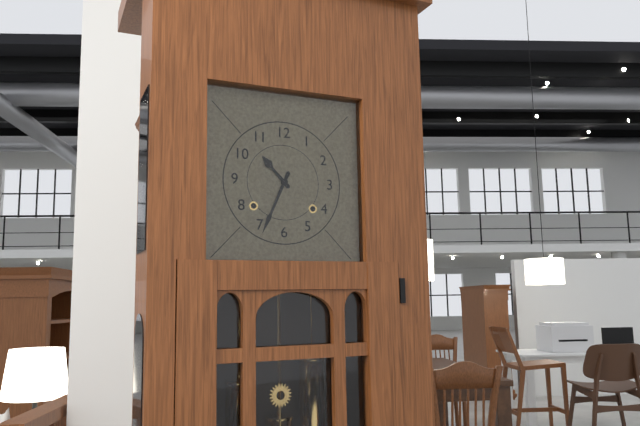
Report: 10 h 34 min
